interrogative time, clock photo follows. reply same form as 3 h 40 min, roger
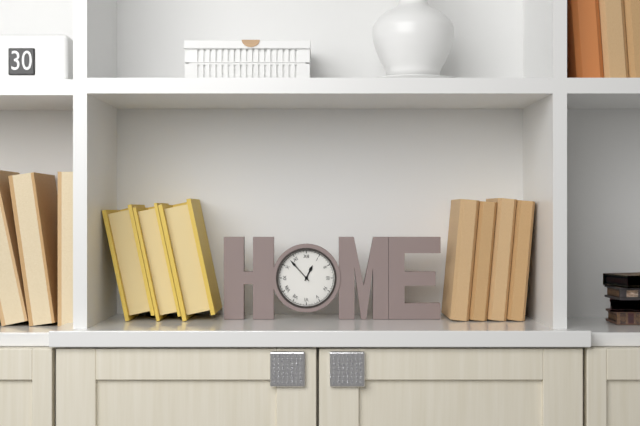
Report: 12 h 53 min
